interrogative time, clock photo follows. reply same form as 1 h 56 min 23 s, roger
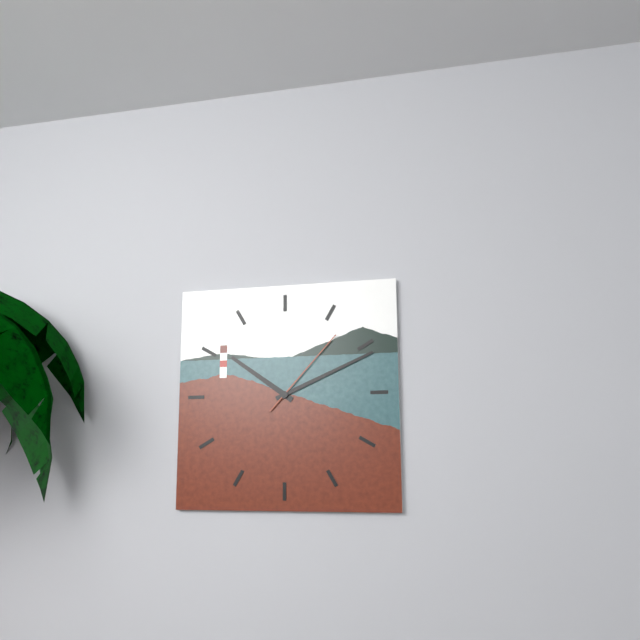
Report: 10 h 11 min 07 s
